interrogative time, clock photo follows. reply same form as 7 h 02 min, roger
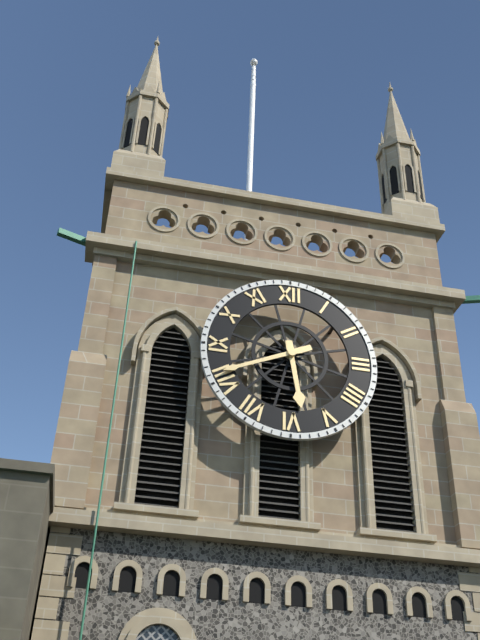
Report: 5 h 41 min
